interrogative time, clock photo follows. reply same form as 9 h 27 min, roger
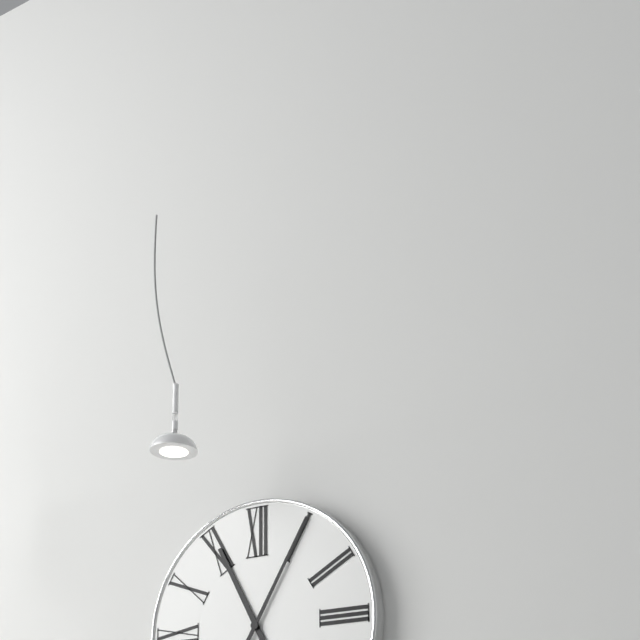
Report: 11 h 05 min
